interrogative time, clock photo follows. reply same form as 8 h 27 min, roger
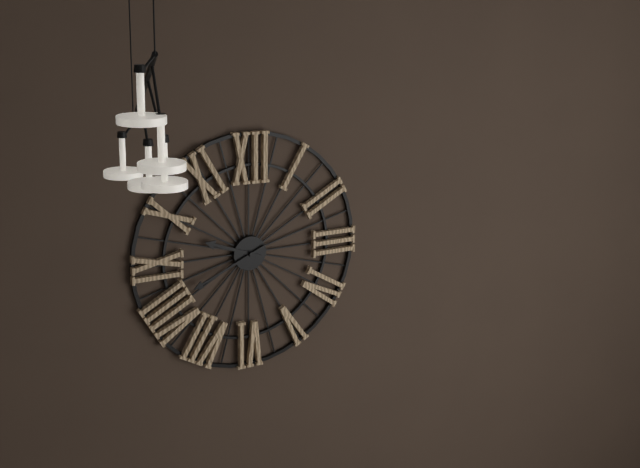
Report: 9 h 41 min
